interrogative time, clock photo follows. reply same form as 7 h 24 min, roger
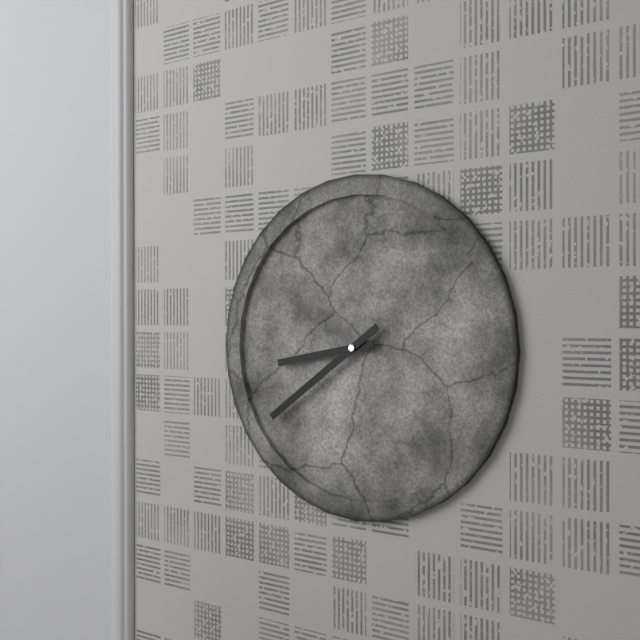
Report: 8 h 39 min
